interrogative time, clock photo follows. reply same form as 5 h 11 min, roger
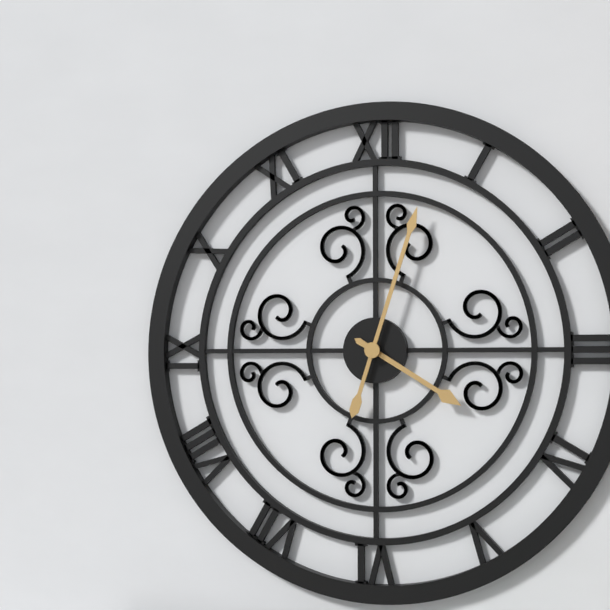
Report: 4 h 03 min
